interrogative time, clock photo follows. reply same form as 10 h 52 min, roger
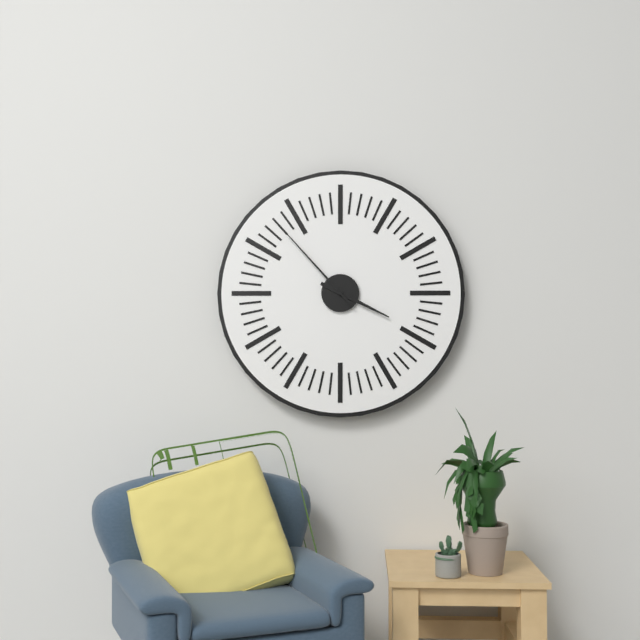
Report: 3 h 53 min
